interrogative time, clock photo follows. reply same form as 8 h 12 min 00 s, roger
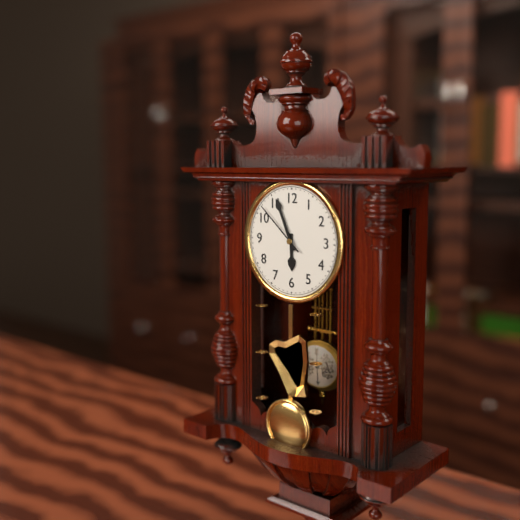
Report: 5 h 56 min 52 s
